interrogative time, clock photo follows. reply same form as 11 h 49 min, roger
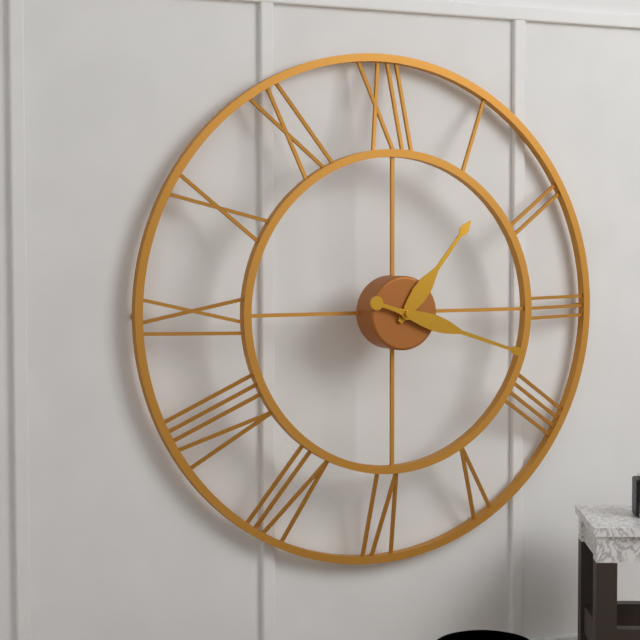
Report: 1 h 18 min
